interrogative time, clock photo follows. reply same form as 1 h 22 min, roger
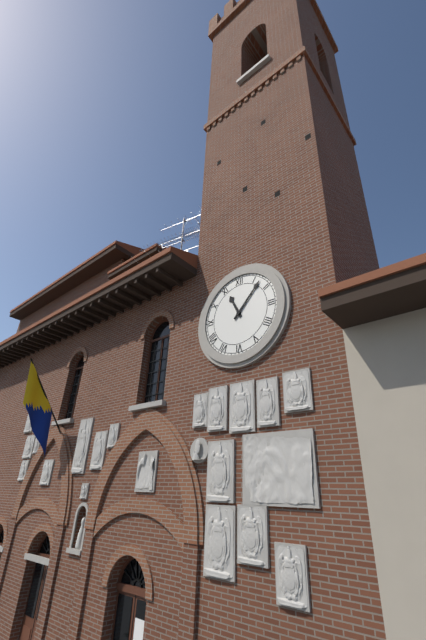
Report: 11 h 07 min
